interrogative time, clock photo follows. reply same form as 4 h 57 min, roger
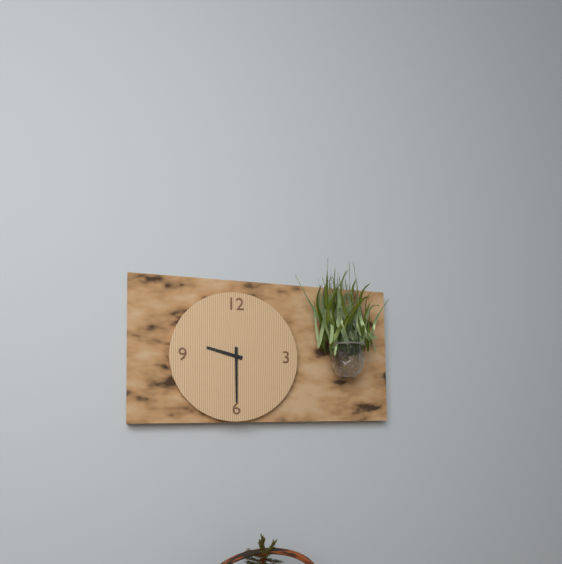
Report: 9 h 30 min
